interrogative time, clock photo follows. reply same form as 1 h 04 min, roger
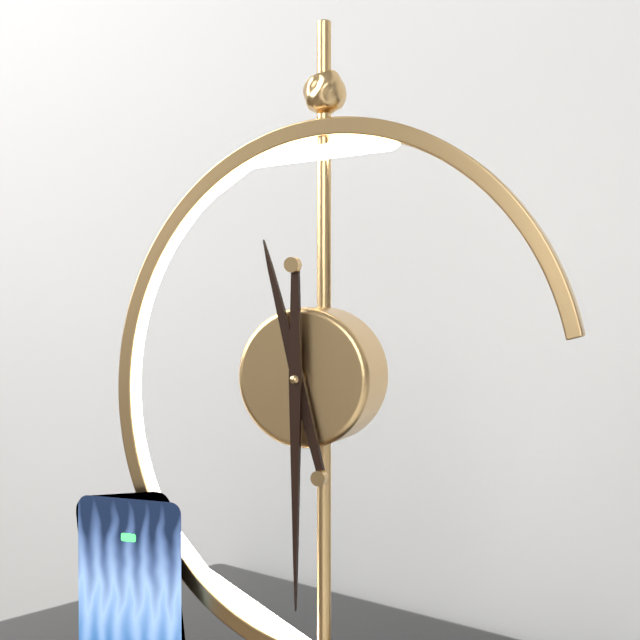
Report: 11 h 30 min
